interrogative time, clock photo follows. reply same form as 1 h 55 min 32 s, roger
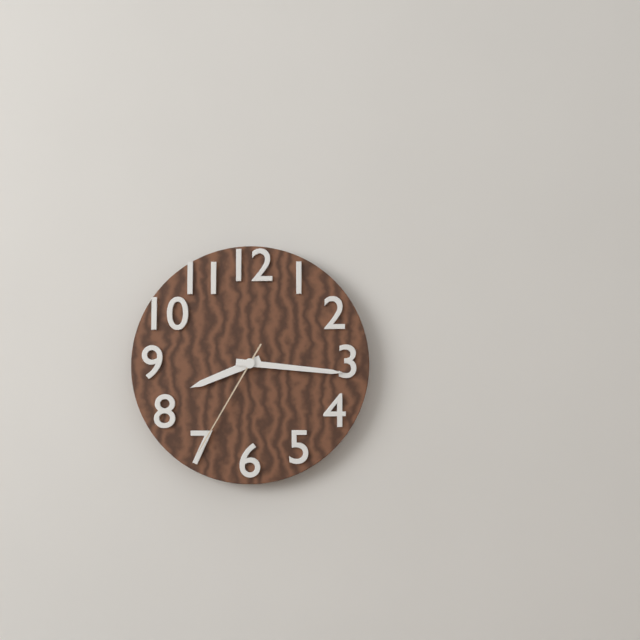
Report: 8 h 16 min 35 s
